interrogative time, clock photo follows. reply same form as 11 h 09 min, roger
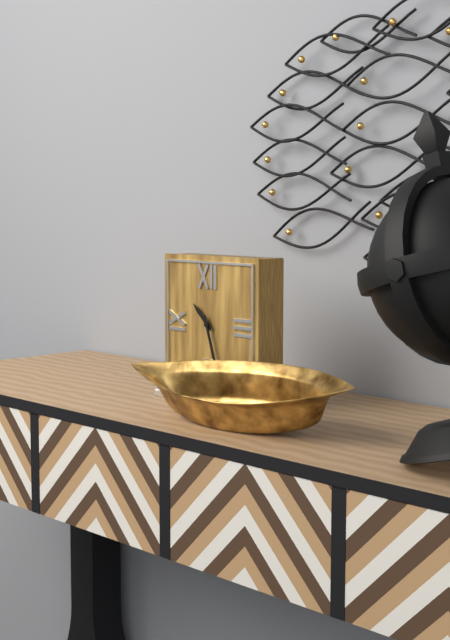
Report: 10 h 27 min
